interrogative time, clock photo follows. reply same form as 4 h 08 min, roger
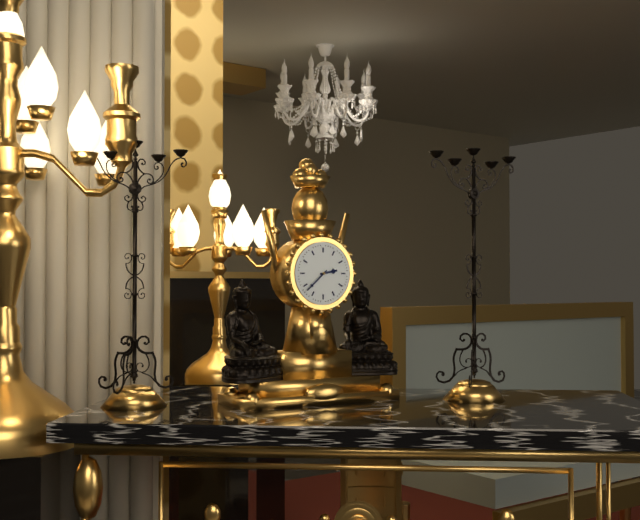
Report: 2 h 38 min
